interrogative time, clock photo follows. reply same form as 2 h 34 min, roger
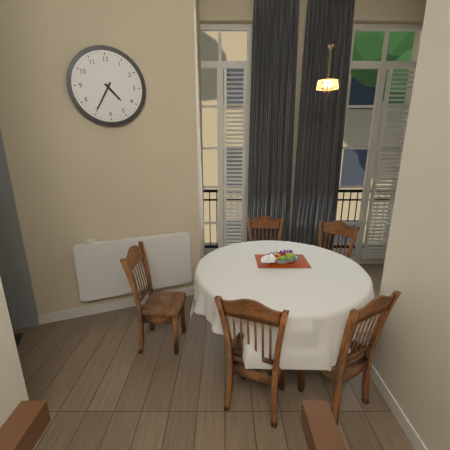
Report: 4 h 35 min
